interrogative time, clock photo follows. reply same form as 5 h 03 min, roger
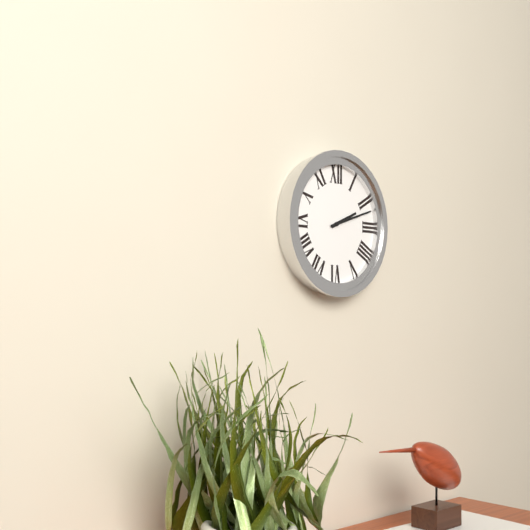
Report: 2 h 12 min
